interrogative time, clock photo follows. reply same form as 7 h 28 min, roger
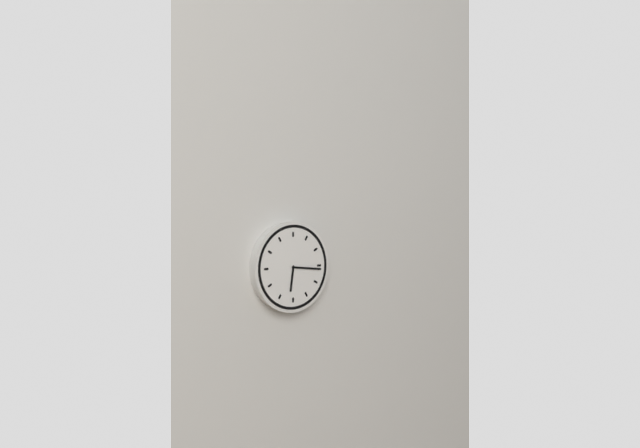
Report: 6 h 16 min
